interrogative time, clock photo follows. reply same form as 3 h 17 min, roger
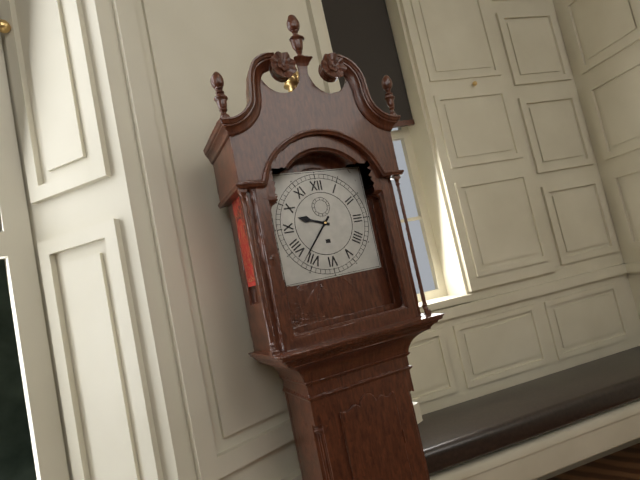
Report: 9 h 37 min
